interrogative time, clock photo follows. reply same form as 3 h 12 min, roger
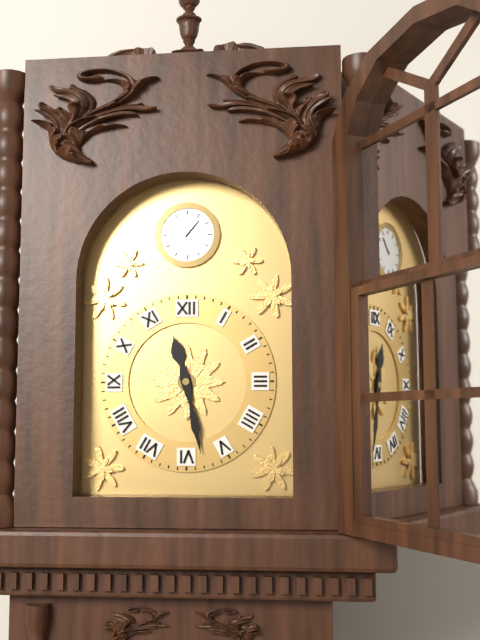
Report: 11 h 28 min
